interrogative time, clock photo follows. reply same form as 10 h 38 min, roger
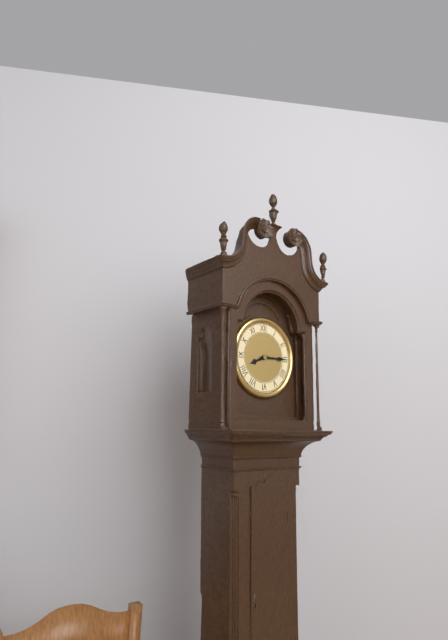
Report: 8 h 15 min
